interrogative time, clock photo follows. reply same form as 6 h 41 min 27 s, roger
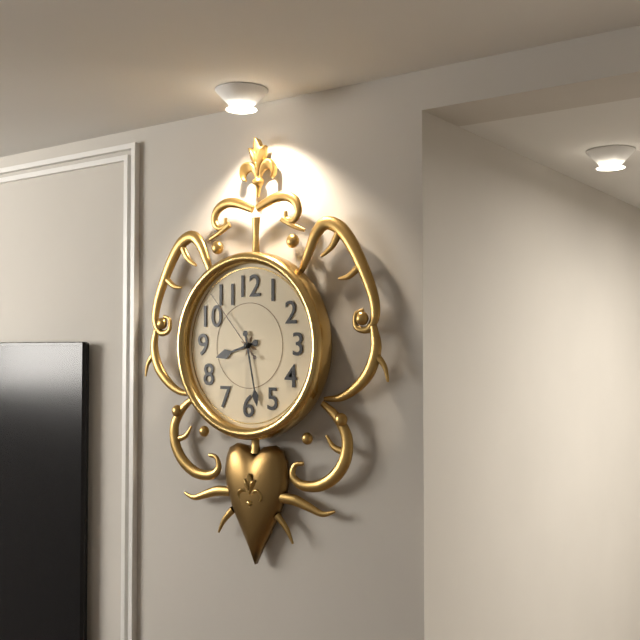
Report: 8 h 28 min 53 s
